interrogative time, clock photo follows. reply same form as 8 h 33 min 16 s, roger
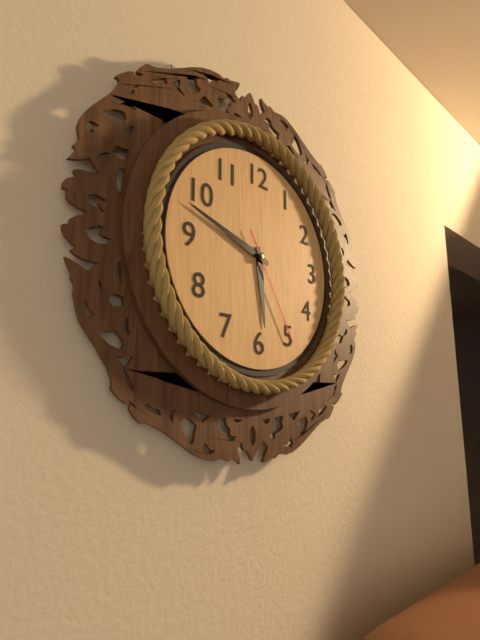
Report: 5 h 48 min 25 s
